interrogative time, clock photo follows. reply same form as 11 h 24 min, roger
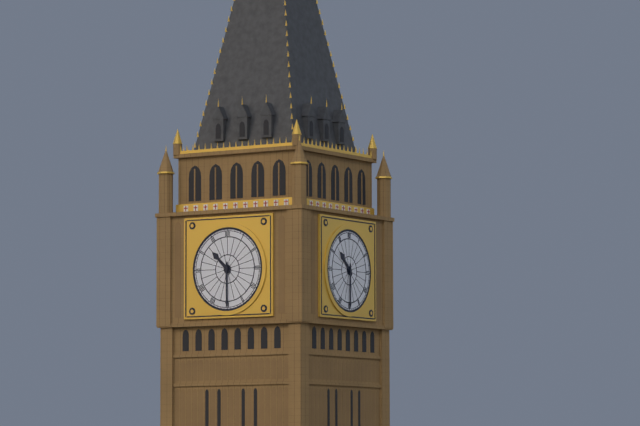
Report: 10 h 30 min
